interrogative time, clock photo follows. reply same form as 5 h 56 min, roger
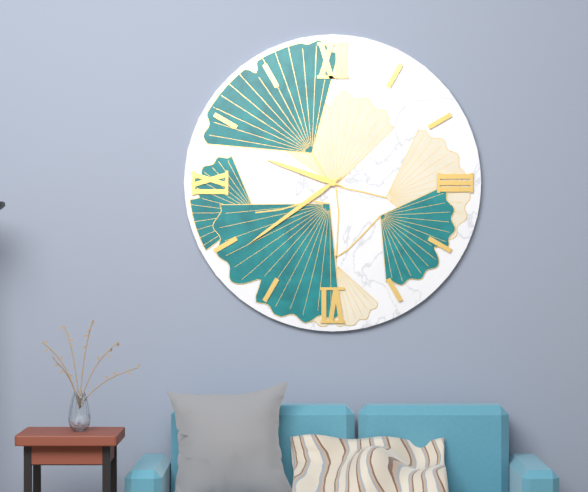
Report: 9 h 39 min
